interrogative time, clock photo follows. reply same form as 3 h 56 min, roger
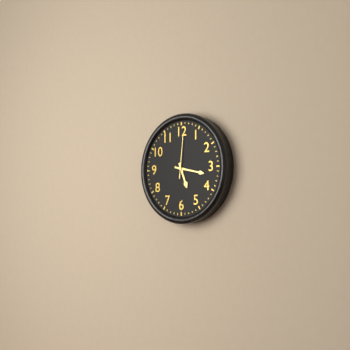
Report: 5 h 17 min
